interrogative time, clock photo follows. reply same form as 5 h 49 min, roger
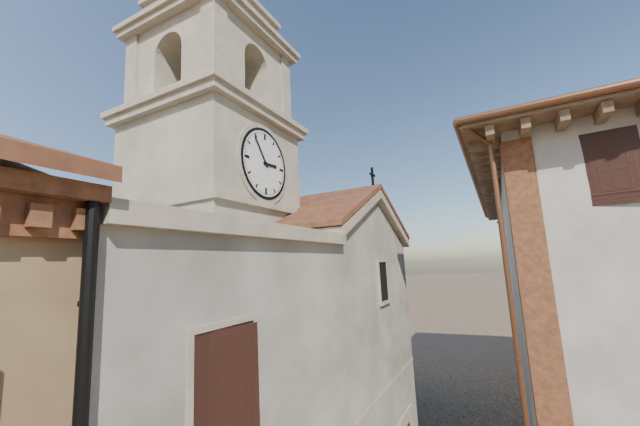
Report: 2 h 54 min
